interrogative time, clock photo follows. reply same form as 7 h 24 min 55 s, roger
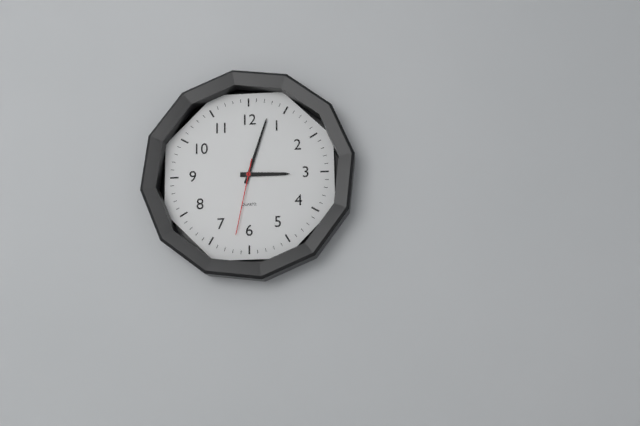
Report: 3 h 03 min 32 s
